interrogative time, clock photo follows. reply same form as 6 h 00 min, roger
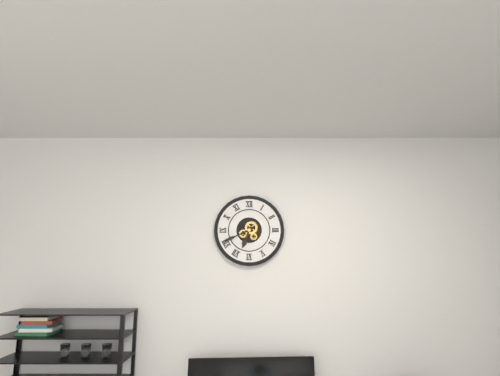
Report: 6 h 41 min
